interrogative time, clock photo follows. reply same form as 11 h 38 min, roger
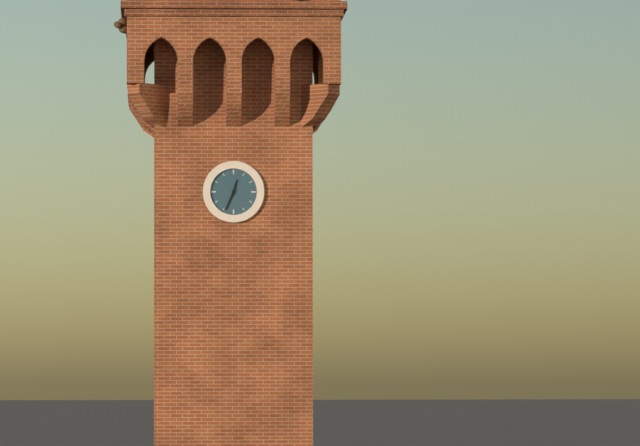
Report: 12 h 34 min
